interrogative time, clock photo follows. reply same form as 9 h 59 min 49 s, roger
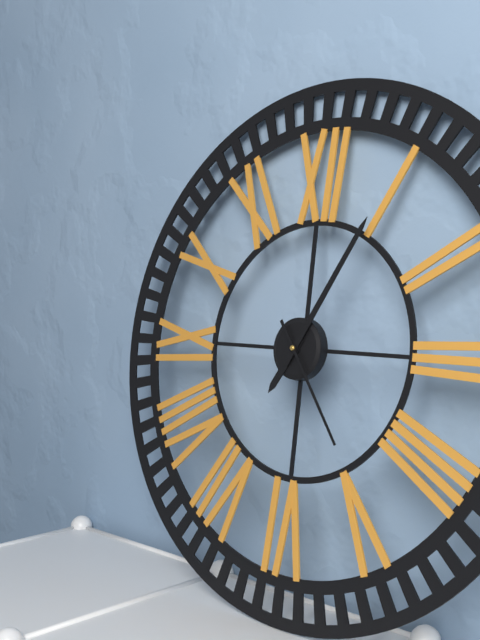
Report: 7 h 05 min 24 s
